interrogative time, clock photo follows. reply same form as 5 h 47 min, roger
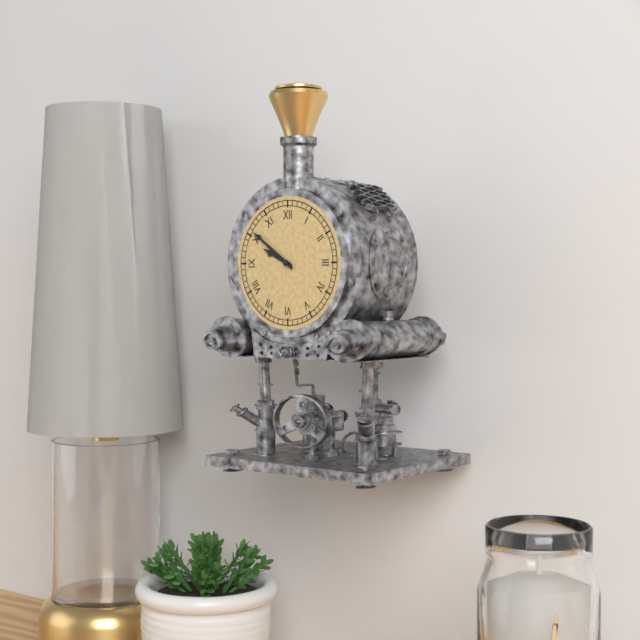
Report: 9 h 51 min
